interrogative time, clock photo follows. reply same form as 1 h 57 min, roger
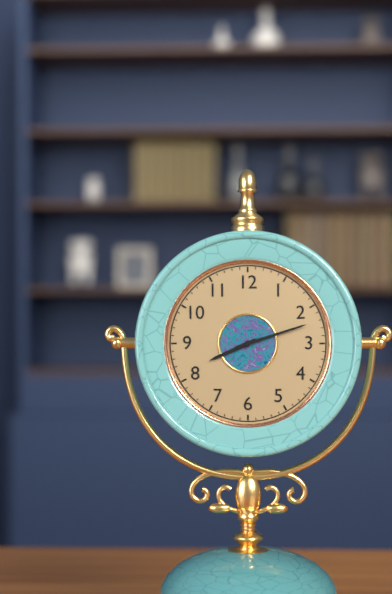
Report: 8 h 12 min
